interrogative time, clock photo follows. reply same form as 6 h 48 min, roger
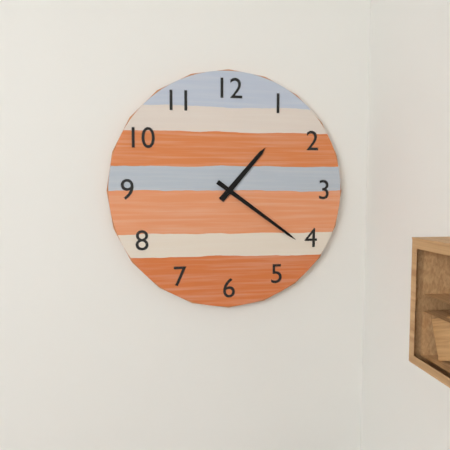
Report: 1 h 21 min
